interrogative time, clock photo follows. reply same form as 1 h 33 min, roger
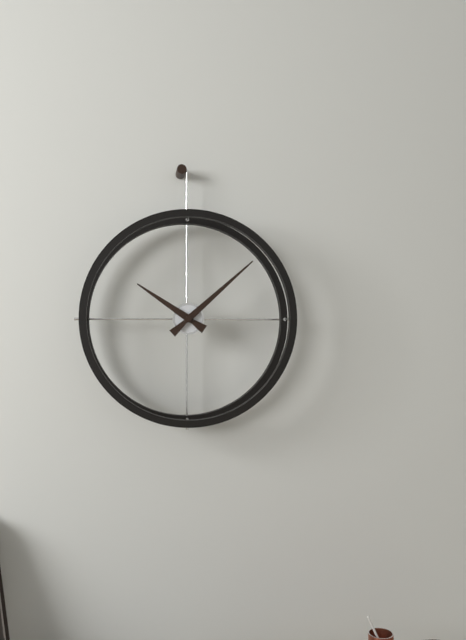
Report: 10 h 08 min
